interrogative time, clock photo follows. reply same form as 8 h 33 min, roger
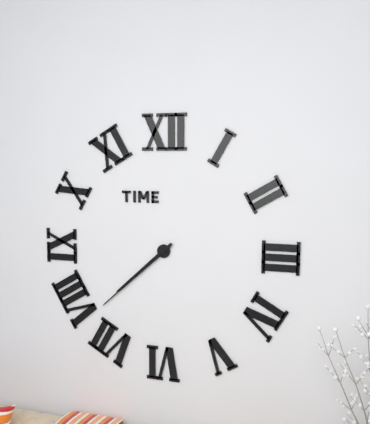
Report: 7 h 38 min
